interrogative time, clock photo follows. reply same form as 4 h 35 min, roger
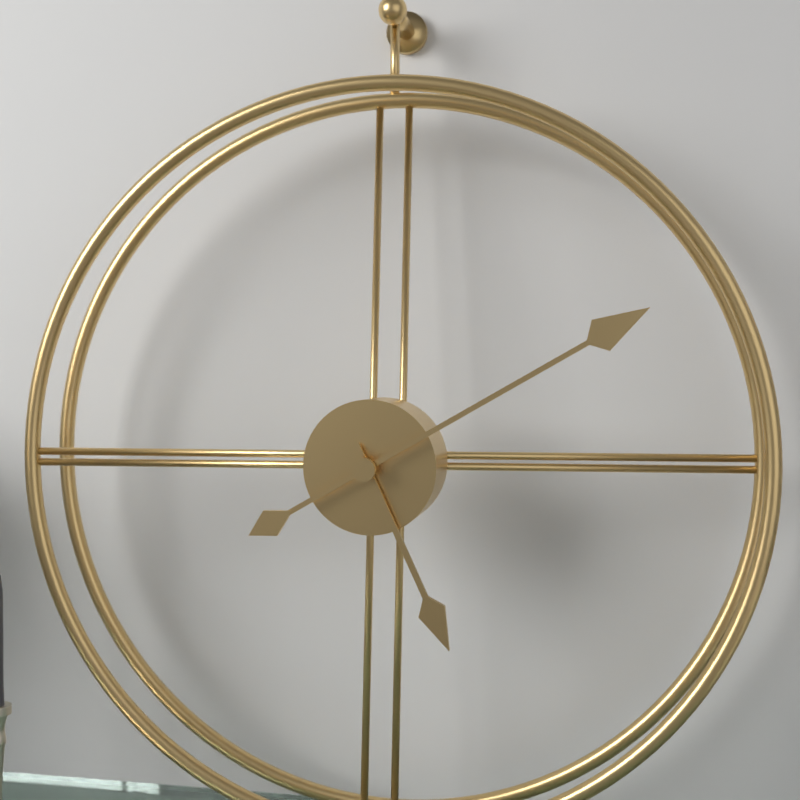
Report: 5 h 10 min
